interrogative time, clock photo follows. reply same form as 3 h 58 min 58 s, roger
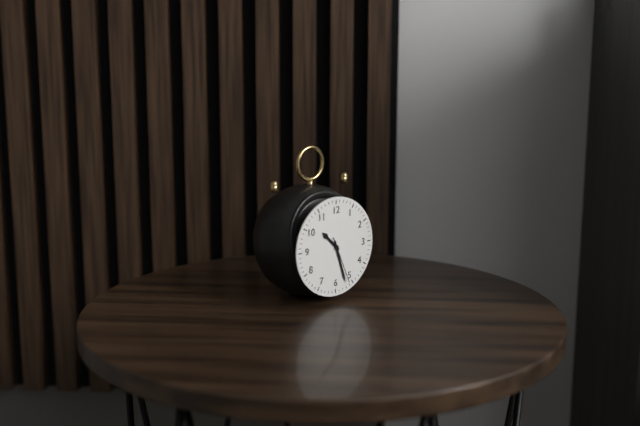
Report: 10 h 27 min 26 s
